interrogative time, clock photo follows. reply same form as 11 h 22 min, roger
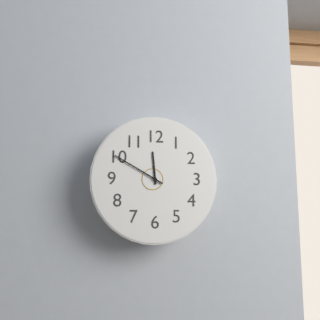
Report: 11 h 50 min
